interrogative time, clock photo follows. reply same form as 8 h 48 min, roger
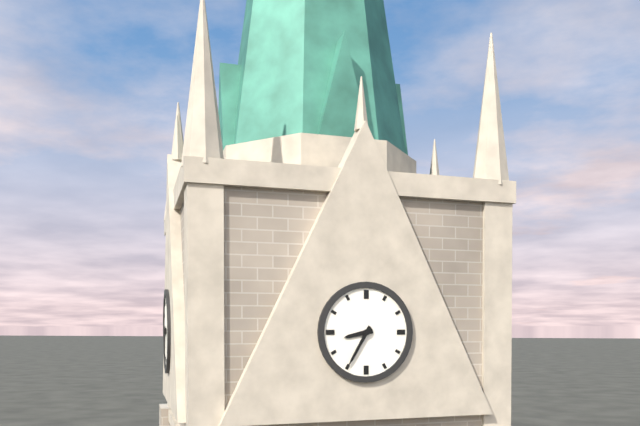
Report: 8 h 35 min
